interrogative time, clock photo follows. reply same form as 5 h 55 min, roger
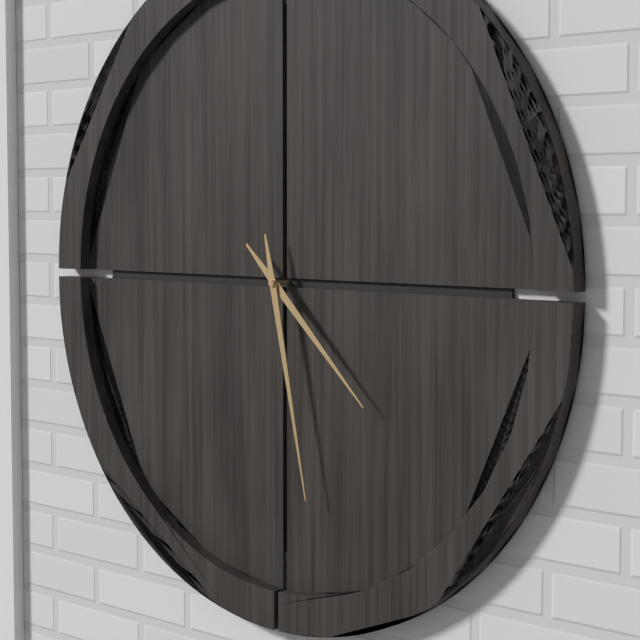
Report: 4 h 28 min
